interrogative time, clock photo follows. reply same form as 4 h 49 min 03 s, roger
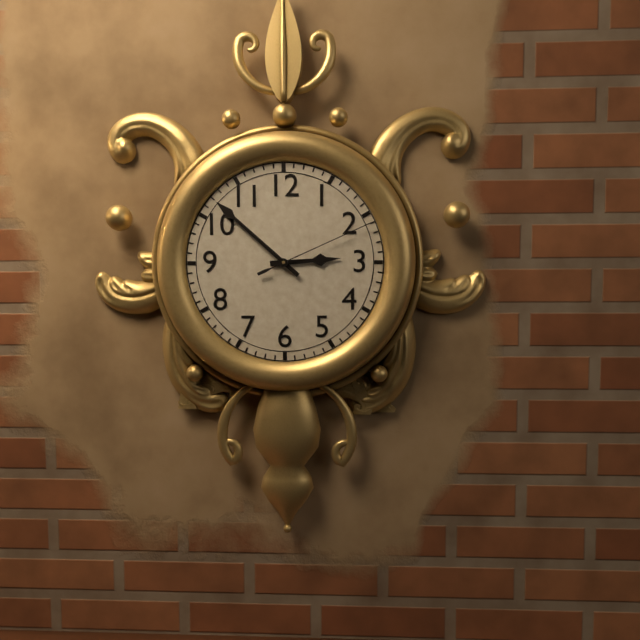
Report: 2 h 52 min 11 s
